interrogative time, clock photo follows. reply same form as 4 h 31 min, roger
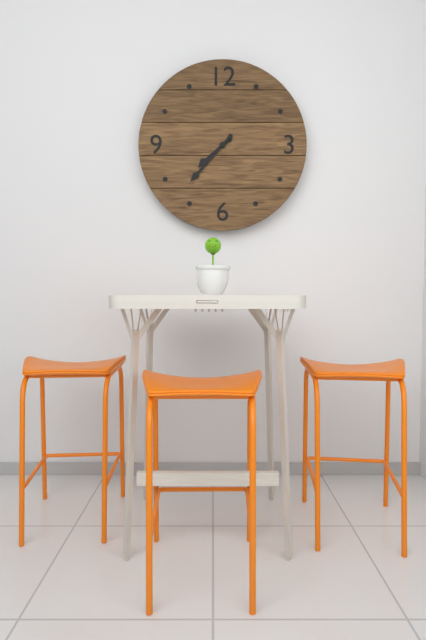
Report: 7 h 37 min
